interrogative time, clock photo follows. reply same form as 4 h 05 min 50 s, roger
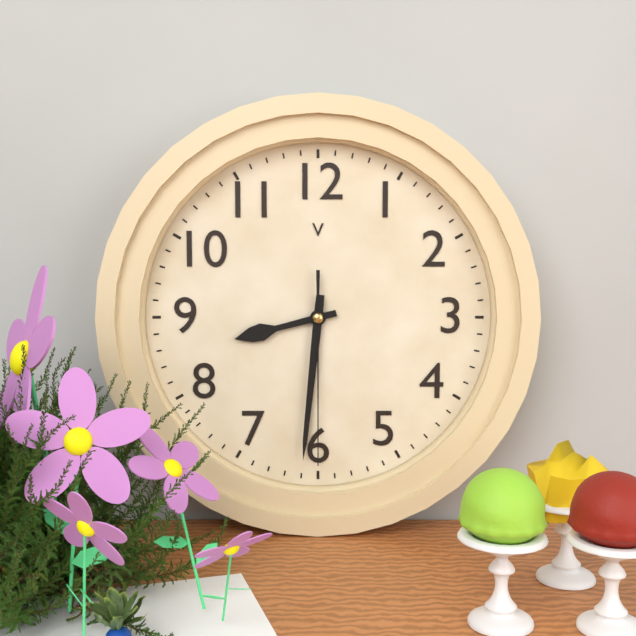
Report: 8 h 31 min 30 s
